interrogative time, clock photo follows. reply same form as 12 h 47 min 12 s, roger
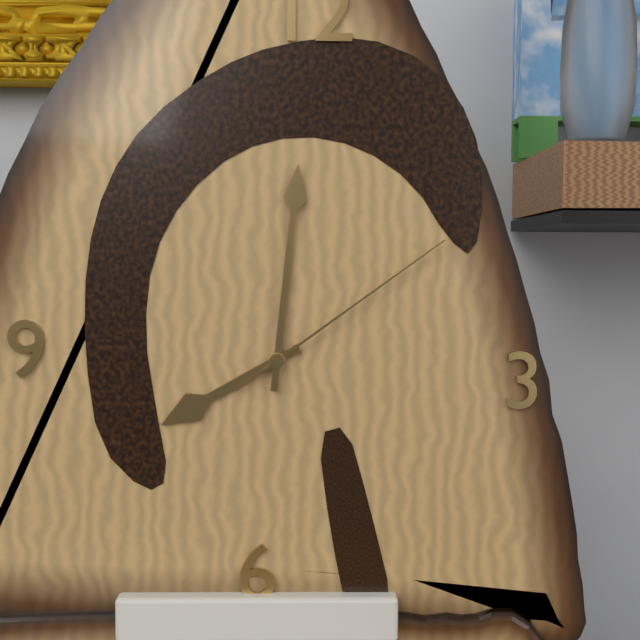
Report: 8 h 01 min 09 s
